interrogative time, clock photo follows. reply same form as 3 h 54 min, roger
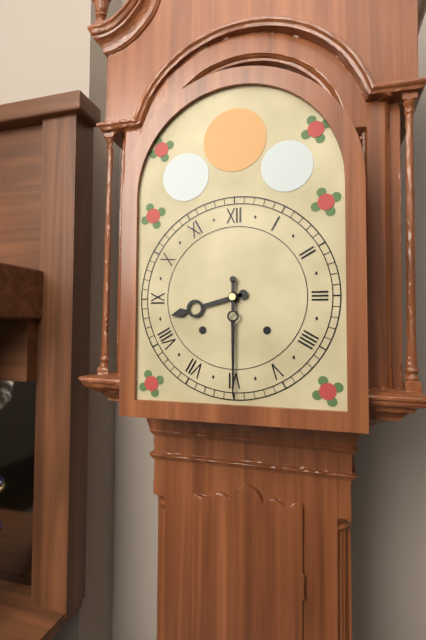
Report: 8 h 30 min
